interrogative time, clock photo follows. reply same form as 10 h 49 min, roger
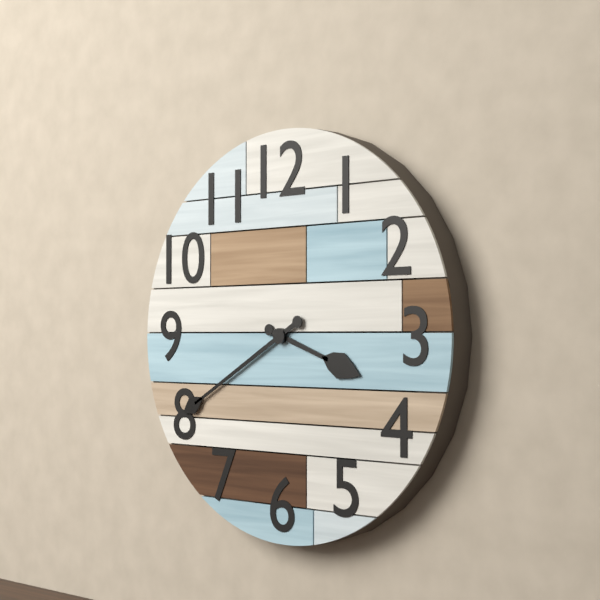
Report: 3 h 40 min
